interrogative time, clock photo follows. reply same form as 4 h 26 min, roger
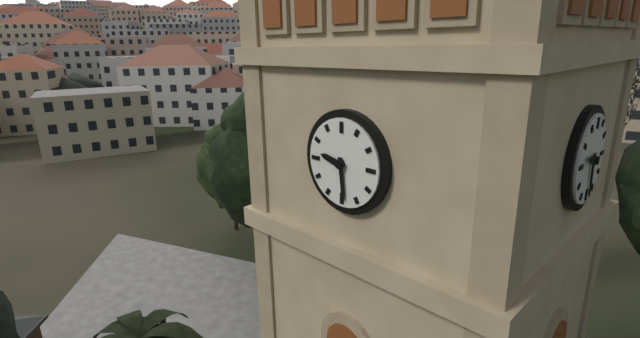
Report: 9 h 29 min
